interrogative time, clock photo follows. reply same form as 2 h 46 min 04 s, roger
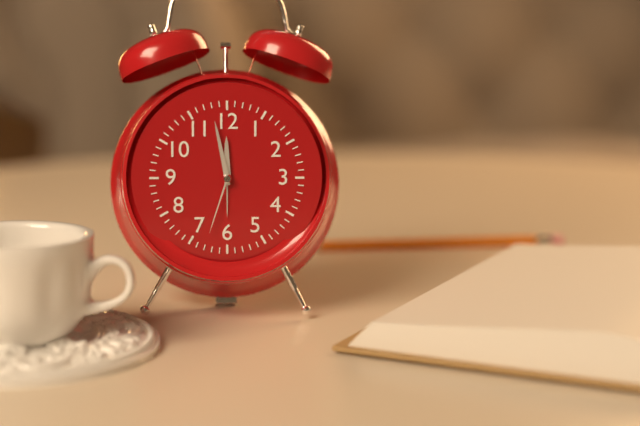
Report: 11 h 58 min 33 s
